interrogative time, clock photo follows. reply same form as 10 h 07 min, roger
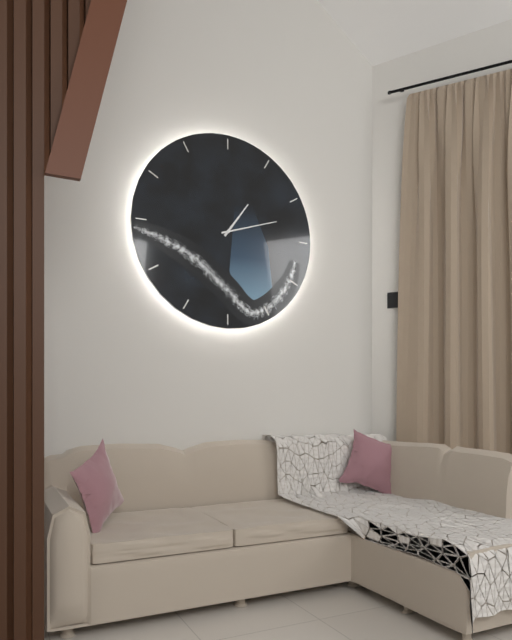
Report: 1 h 12 min
